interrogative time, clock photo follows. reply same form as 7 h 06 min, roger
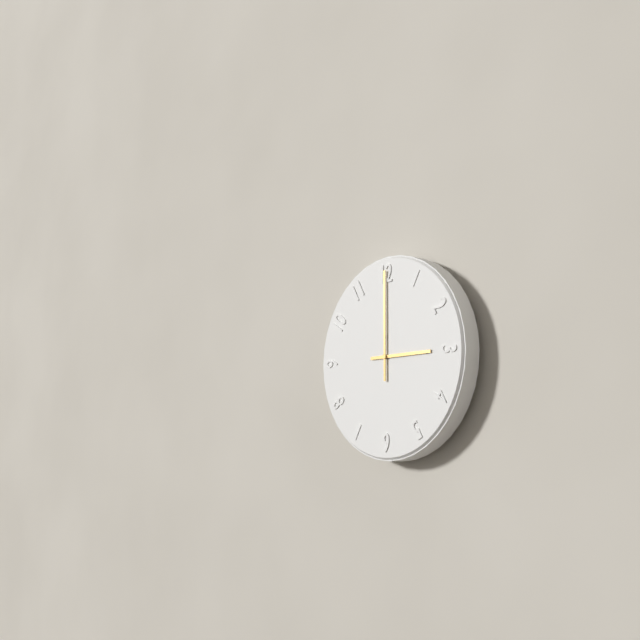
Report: 3 h 00 min
